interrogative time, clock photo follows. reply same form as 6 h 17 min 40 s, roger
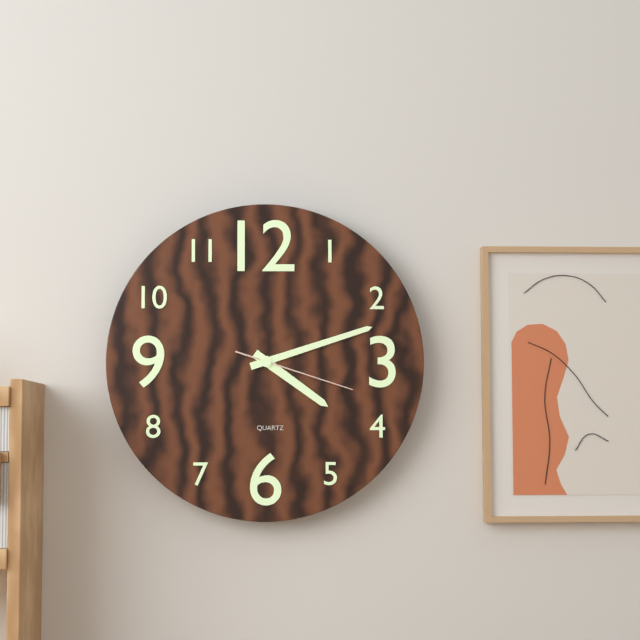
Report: 4 h 12 min 18 s
